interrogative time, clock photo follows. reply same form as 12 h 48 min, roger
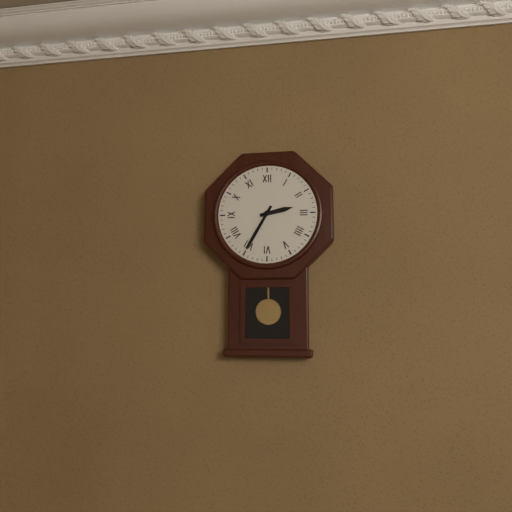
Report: 2 h 35 min
